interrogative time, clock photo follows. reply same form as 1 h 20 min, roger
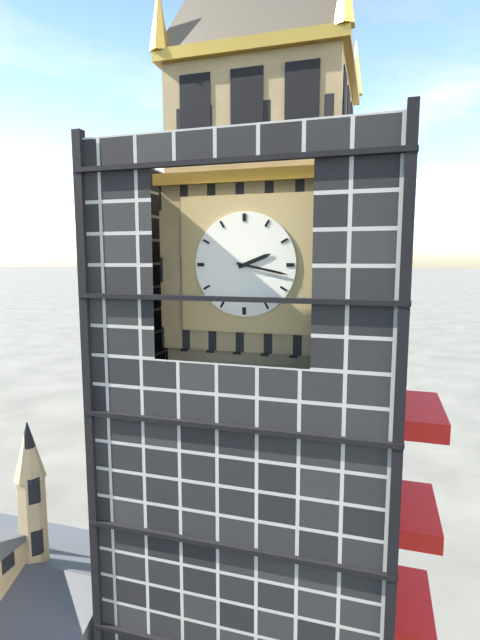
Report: 2 h 17 min
